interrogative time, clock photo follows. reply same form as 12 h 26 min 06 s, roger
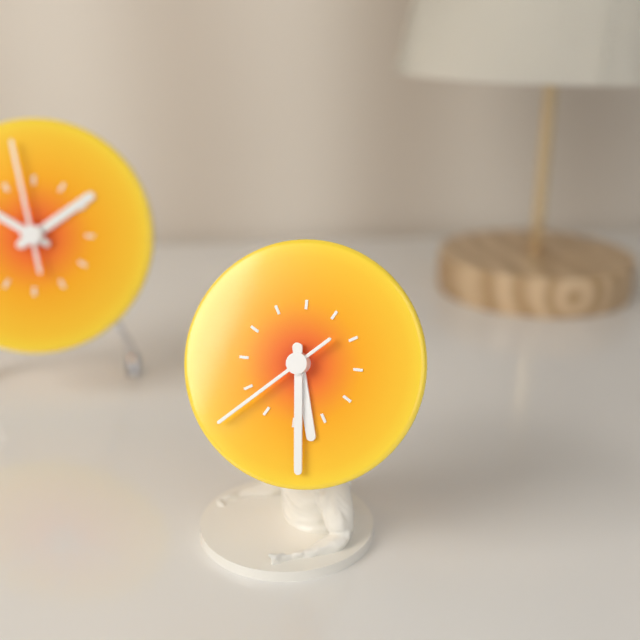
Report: 5 h 29 min 38 s
